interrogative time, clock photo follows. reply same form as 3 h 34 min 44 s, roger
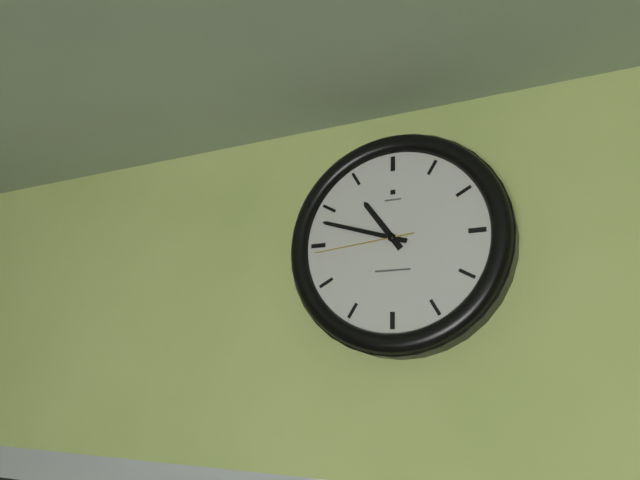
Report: 10 h 48 min 44 s
